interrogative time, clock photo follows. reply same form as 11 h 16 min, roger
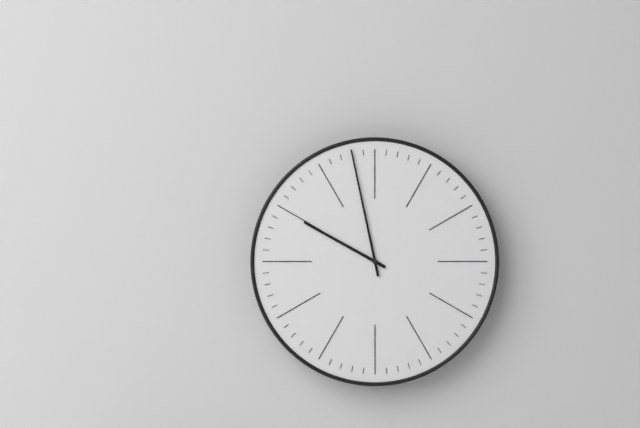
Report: 9 h 58 min
